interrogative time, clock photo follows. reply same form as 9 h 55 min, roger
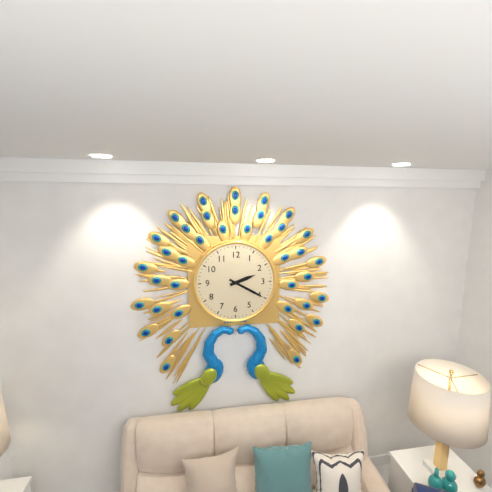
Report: 2 h 20 min
